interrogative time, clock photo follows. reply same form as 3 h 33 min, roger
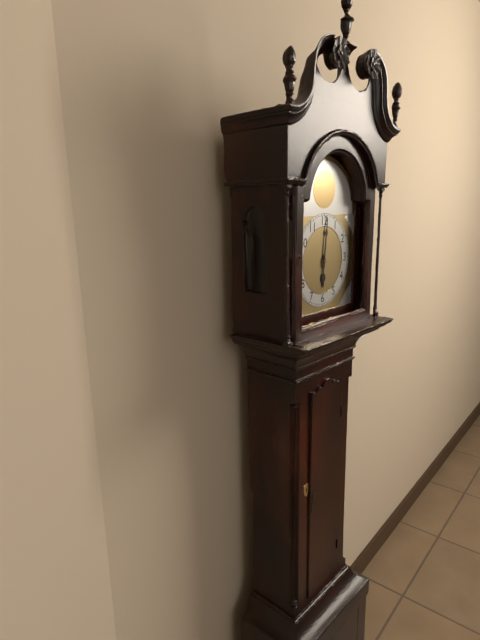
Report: 6 h 01 min
